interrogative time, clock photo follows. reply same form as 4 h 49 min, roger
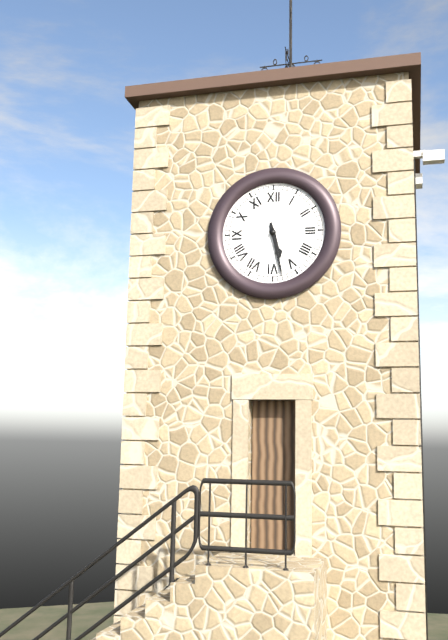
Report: 5 h 28 min
